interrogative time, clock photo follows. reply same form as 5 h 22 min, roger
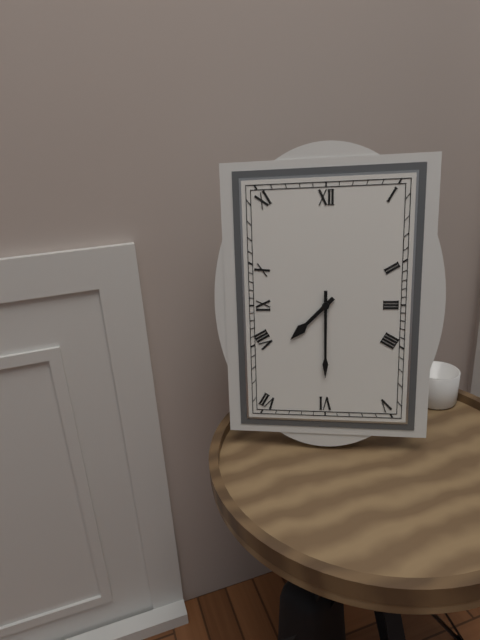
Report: 7 h 30 min
